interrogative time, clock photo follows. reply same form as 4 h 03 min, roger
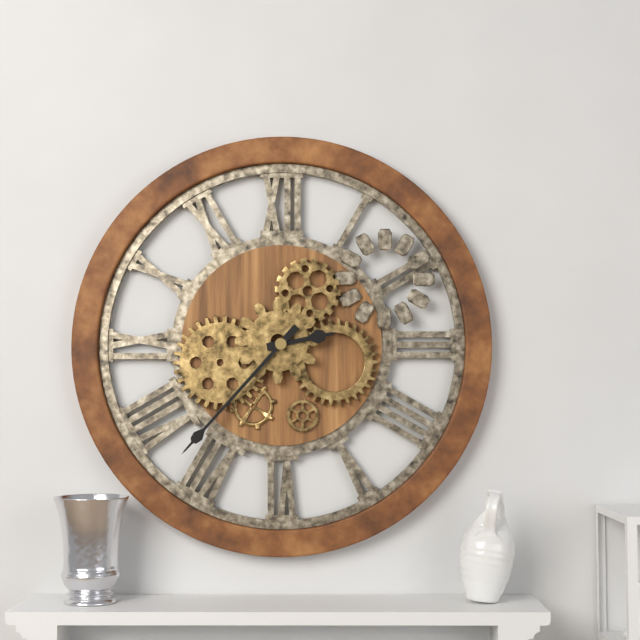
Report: 2 h 37 min
